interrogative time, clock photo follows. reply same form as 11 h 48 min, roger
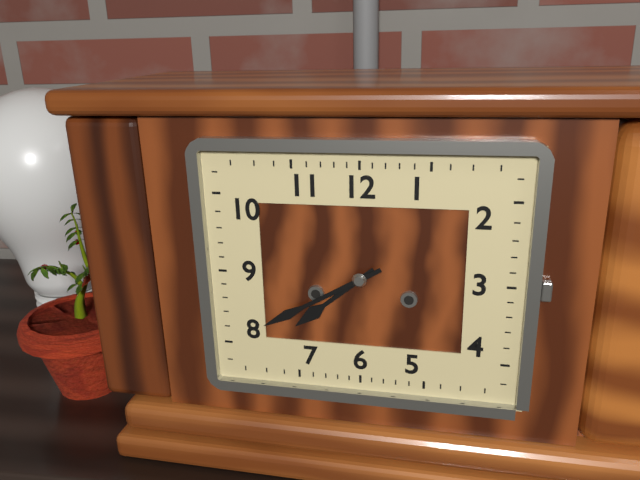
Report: 7 h 40 min
